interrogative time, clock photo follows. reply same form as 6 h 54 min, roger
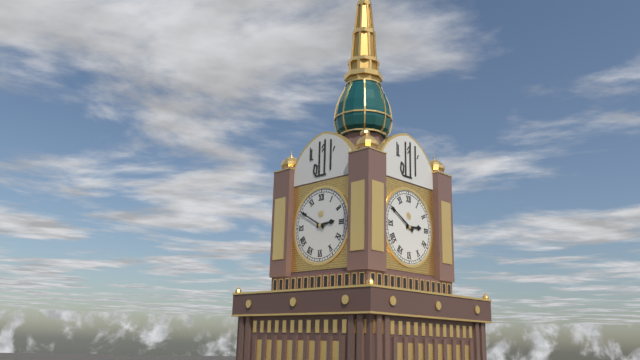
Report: 2 h 50 min
